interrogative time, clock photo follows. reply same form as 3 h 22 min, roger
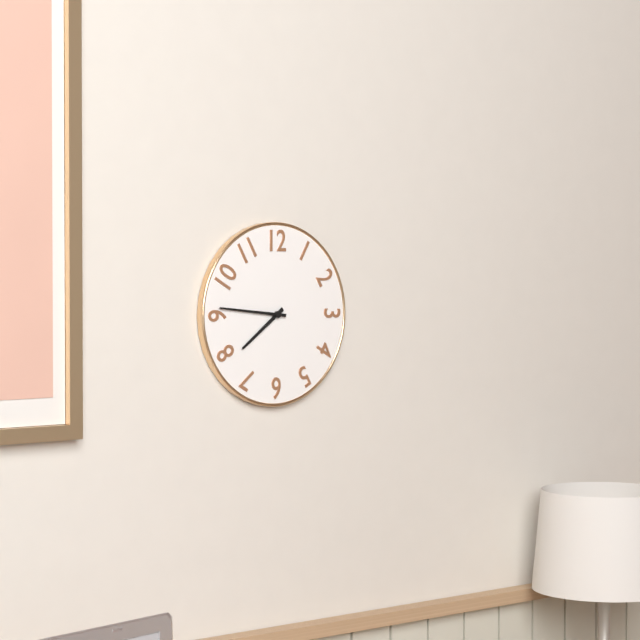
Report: 7 h 46 min
